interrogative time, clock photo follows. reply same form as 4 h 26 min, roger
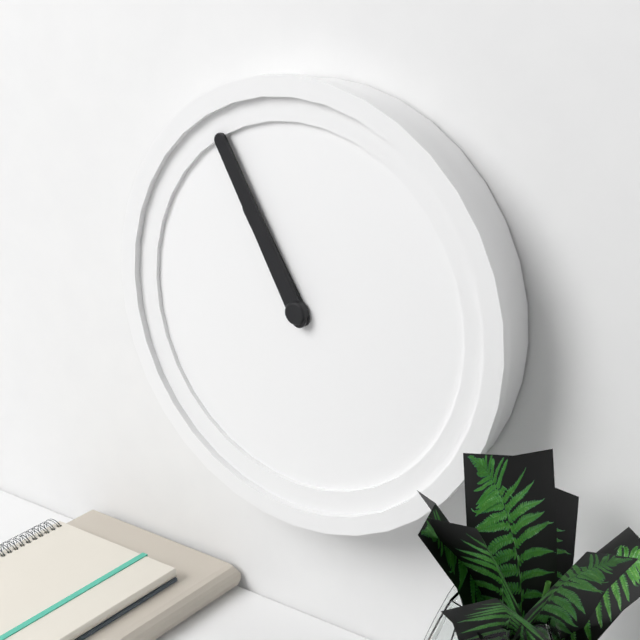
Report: 10 h 55 min
